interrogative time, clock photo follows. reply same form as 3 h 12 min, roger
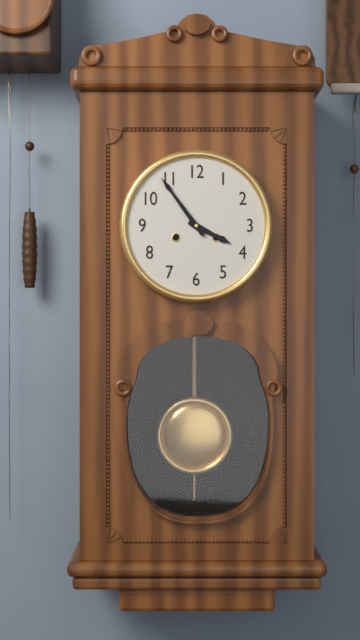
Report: 3 h 54 min
